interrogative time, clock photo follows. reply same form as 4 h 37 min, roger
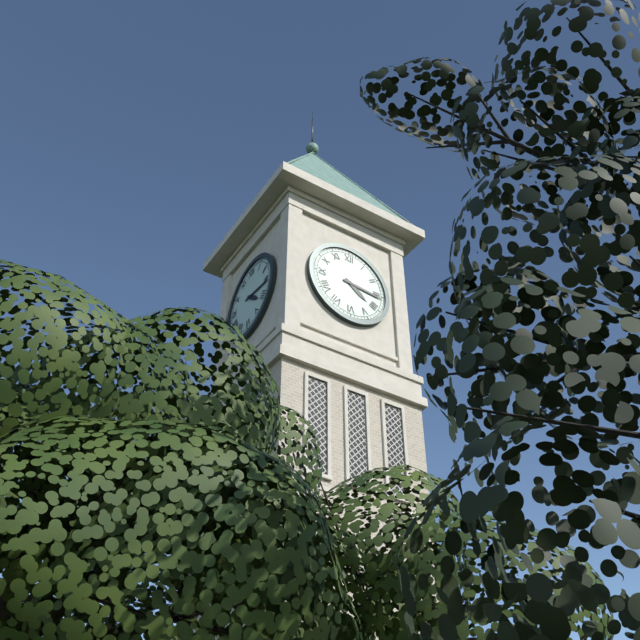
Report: 4 h 16 min
